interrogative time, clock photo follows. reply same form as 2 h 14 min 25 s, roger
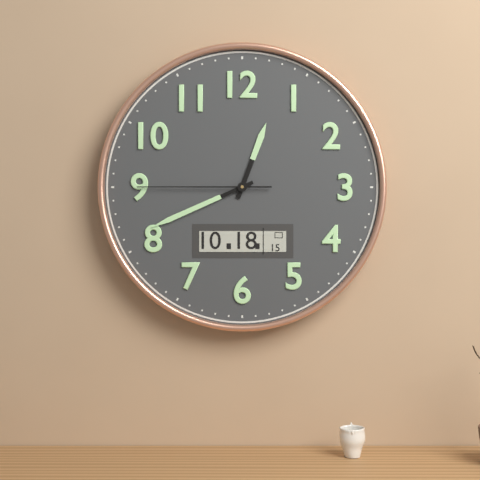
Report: 12 h 41 min 45 s
